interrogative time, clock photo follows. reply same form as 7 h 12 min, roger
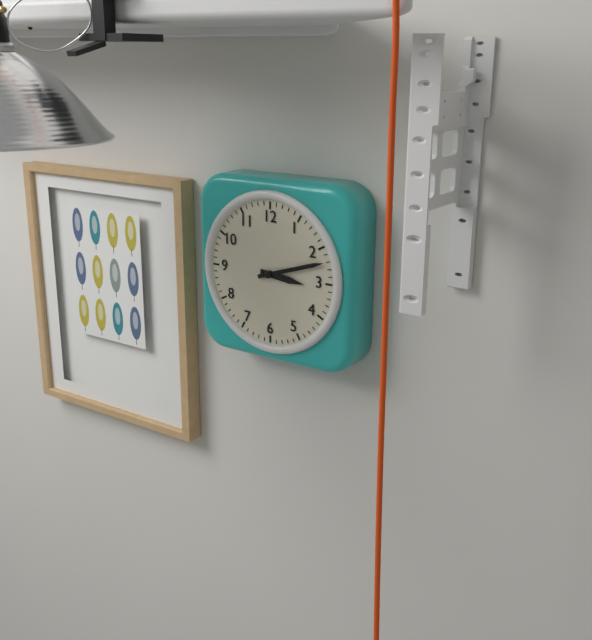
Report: 3 h 12 min
